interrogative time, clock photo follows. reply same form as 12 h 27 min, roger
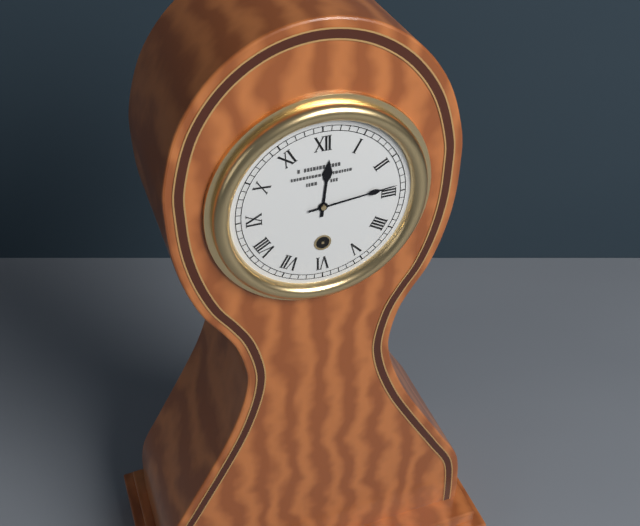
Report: 12 h 14 min
